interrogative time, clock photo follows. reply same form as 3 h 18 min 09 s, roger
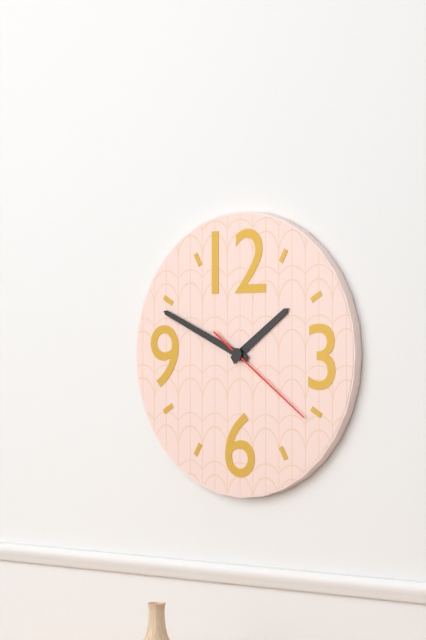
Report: 1 h 49 min 21 s
